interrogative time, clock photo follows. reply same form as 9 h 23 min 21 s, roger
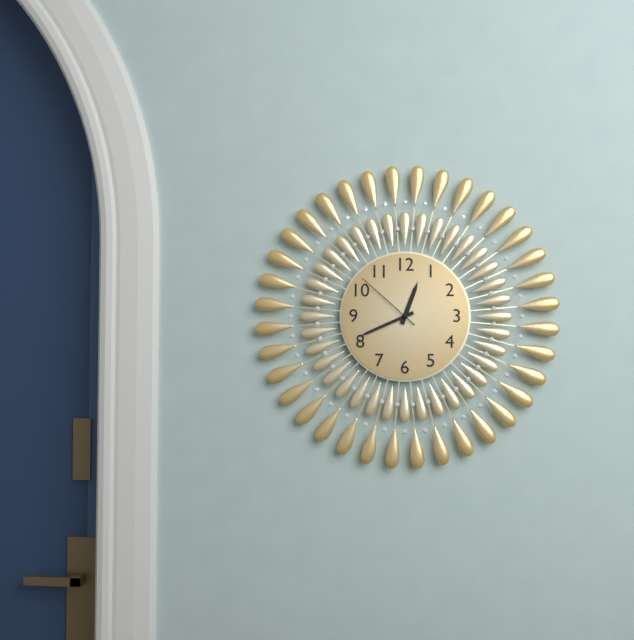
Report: 12 h 41 min 52 s
